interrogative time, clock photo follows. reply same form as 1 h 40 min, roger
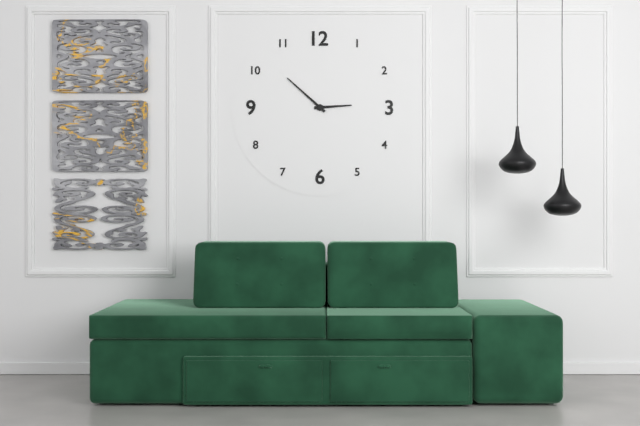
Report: 2 h 52 min
